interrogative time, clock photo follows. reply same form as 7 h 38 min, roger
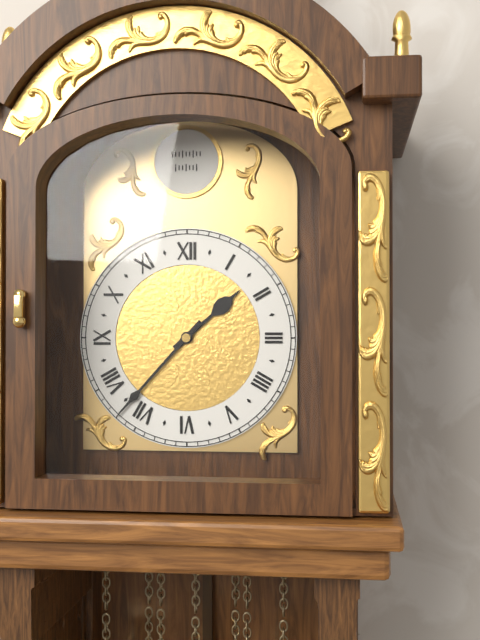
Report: 1 h 37 min
